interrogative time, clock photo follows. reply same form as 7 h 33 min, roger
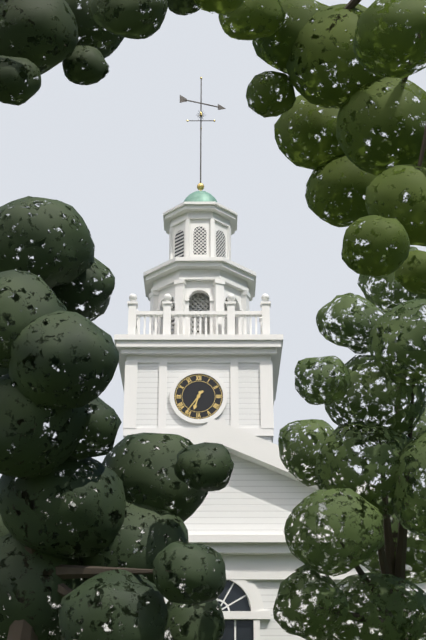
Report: 6 h 36 min
